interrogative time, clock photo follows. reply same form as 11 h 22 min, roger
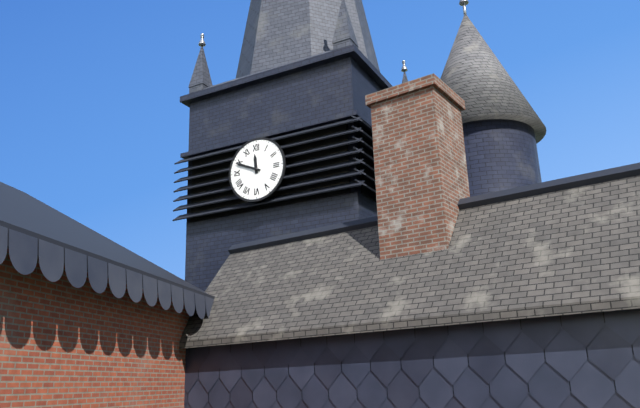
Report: 11 h 49 min
